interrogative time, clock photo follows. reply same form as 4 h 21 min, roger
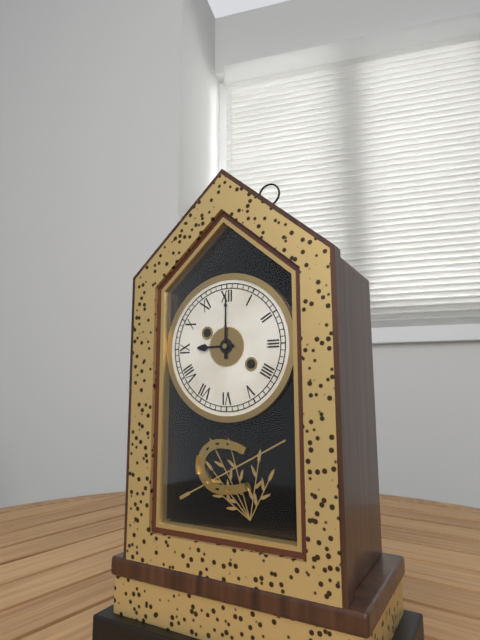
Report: 9 h 00 min
